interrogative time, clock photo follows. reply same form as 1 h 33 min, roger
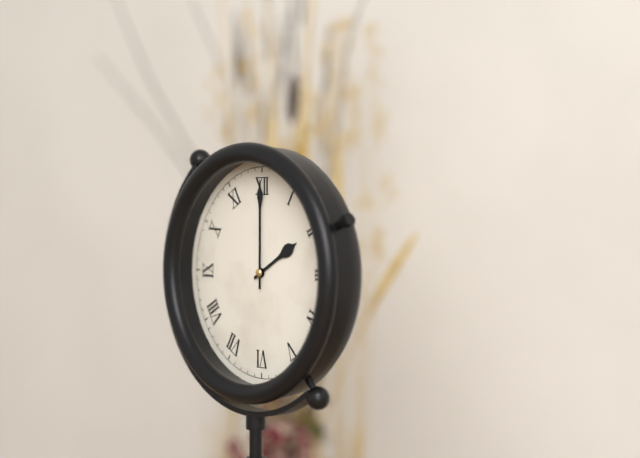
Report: 2 h 00 min
